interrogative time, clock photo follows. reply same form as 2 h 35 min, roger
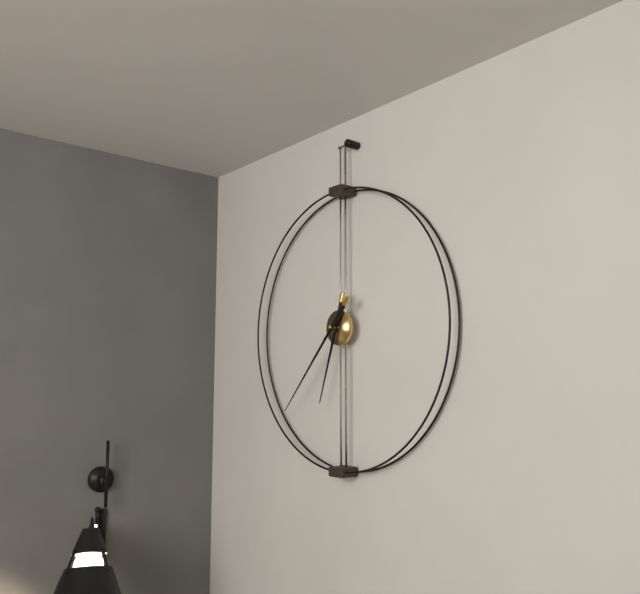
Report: 6 h 37 min
